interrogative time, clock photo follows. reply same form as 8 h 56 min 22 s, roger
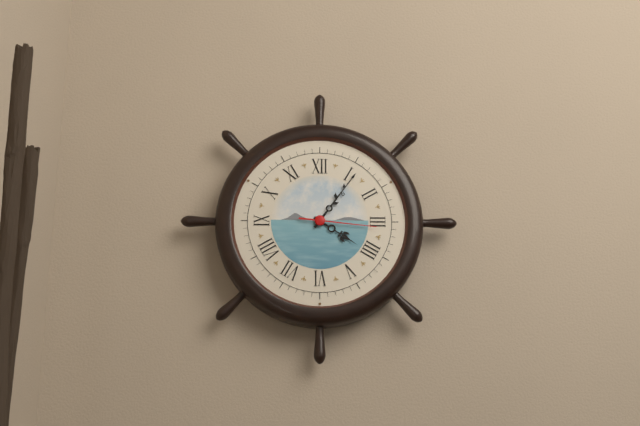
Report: 4 h 06 min 16 s
